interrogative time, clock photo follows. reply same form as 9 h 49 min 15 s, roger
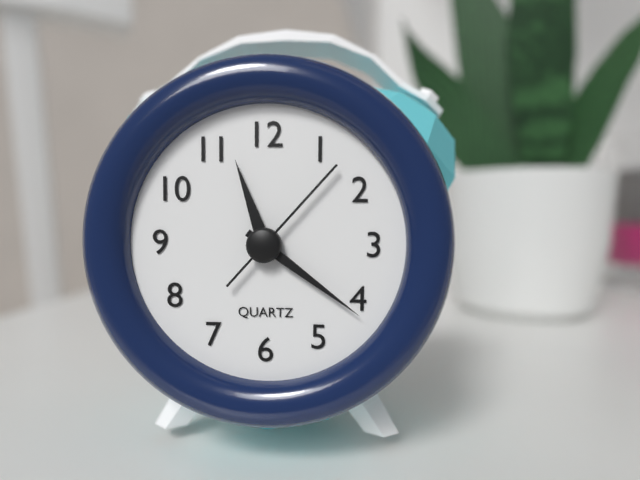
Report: 11 h 21 min 07 s
